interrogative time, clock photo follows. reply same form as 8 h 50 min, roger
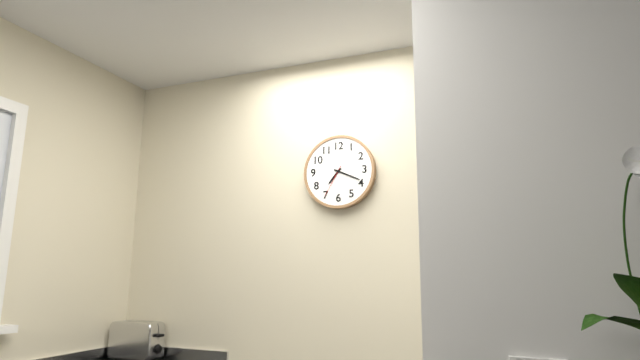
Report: 7 h 19 min
